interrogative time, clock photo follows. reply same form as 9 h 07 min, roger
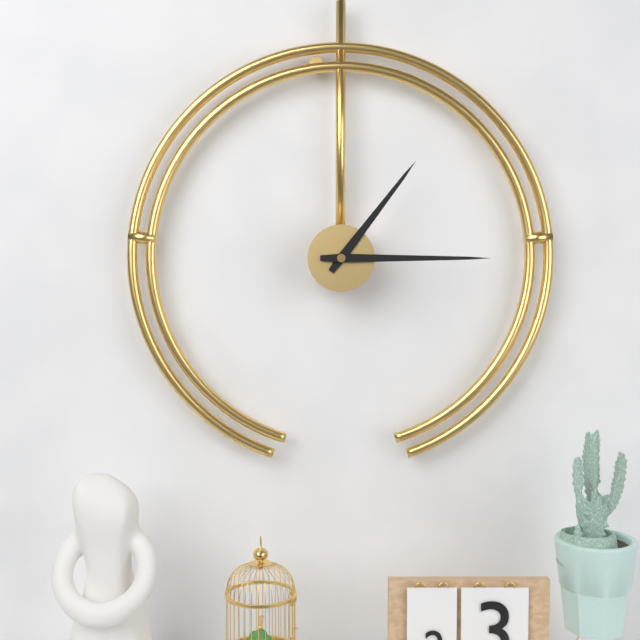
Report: 1 h 15 min
